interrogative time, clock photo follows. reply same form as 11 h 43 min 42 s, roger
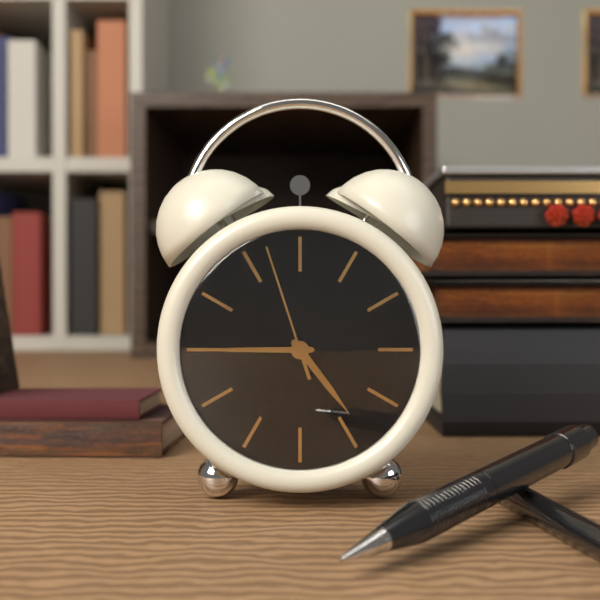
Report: 4 h 45 min 57 s
